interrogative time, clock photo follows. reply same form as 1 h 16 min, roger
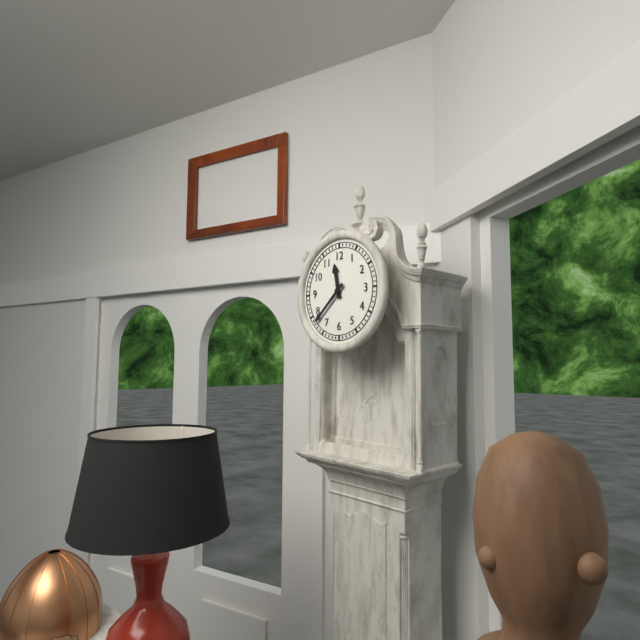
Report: 11 h 38 min
